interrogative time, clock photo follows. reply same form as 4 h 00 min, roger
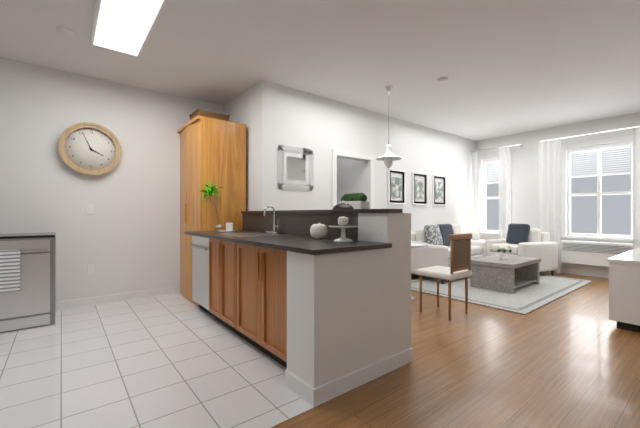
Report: 3 h 56 min
